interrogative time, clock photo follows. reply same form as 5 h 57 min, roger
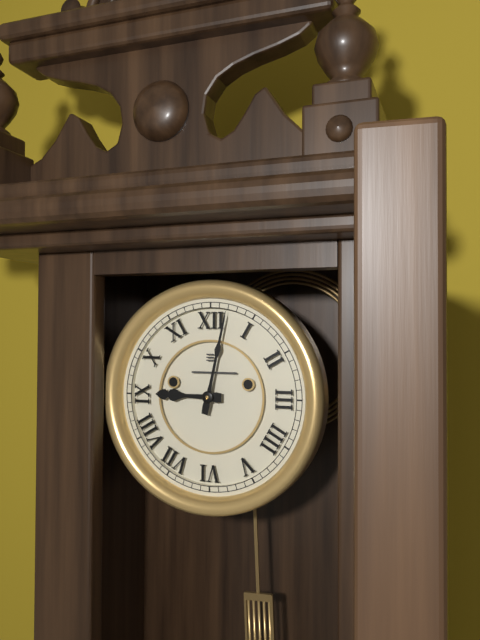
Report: 9 h 02 min
